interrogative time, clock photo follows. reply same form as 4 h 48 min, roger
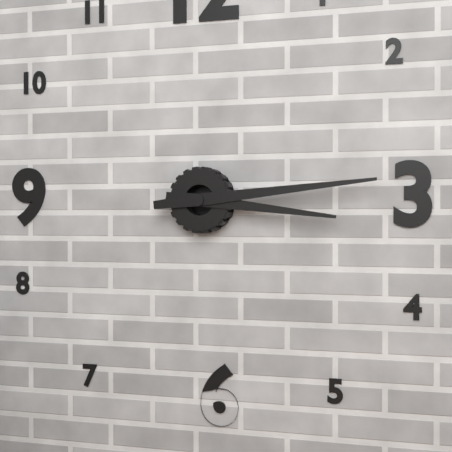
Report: 3 h 14 min
